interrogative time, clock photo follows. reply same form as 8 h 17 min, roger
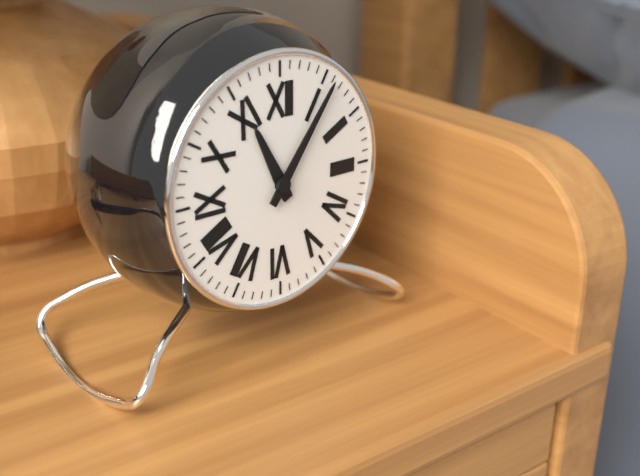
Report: 11 h 06 min
